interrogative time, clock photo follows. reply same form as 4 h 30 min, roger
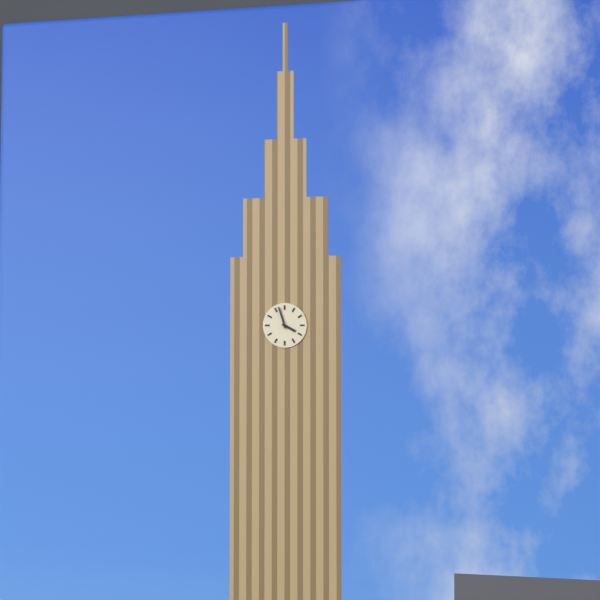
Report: 3 h 57 min
